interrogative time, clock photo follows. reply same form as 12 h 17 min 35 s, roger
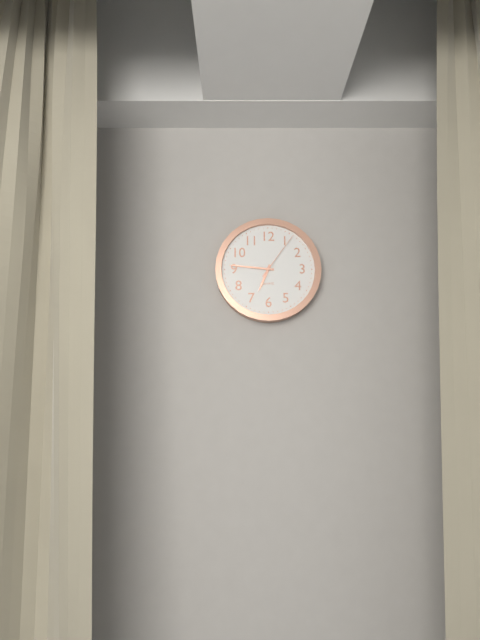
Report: 6 h 46 min 06 s
